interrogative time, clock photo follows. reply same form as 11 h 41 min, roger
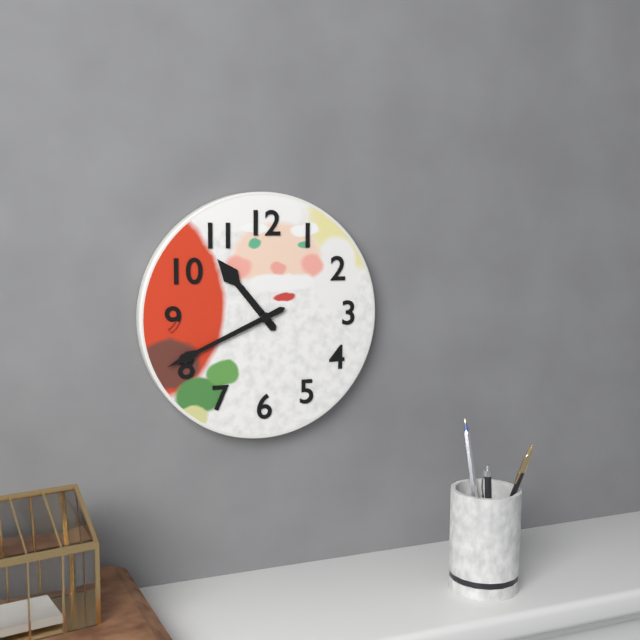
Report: 10 h 41 min
